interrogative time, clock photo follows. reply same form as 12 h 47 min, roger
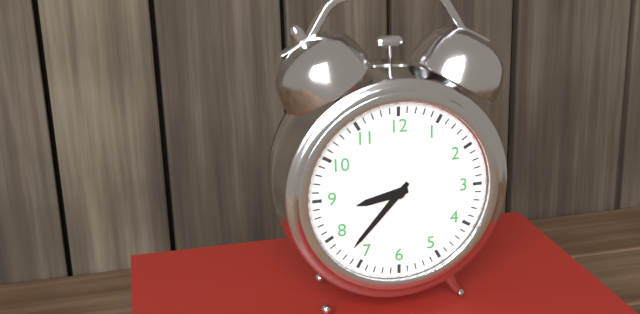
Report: 8 h 37 min
